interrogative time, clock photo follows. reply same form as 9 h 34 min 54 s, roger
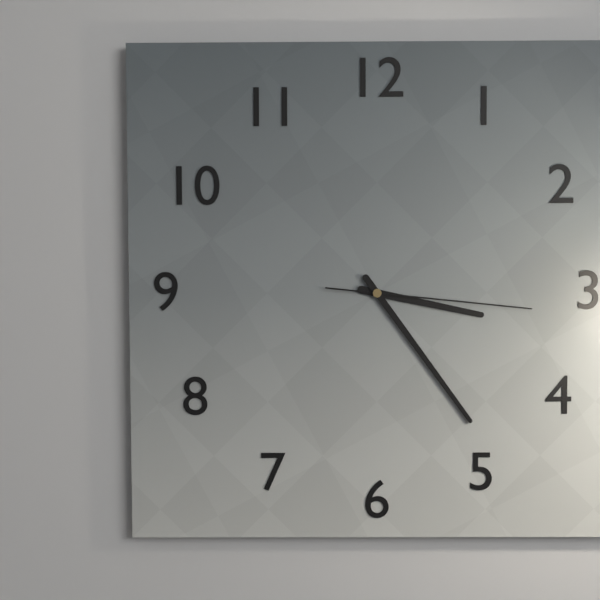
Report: 3 h 24 min 16 s
